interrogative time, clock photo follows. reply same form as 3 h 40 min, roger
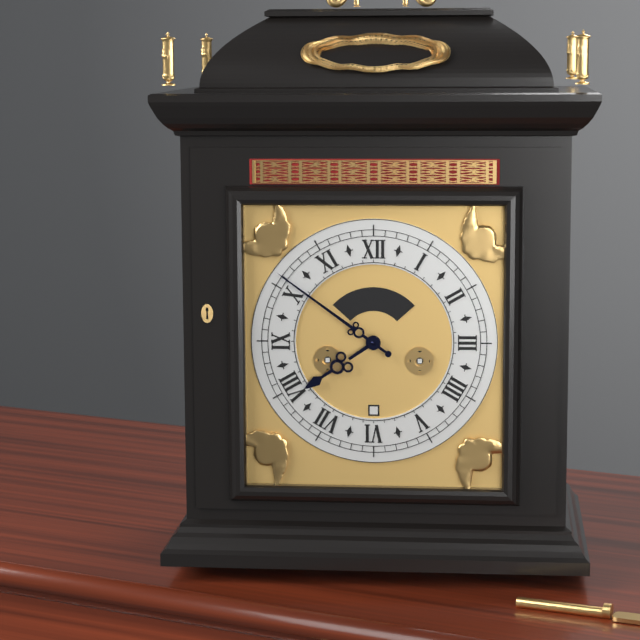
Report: 7 h 51 min
